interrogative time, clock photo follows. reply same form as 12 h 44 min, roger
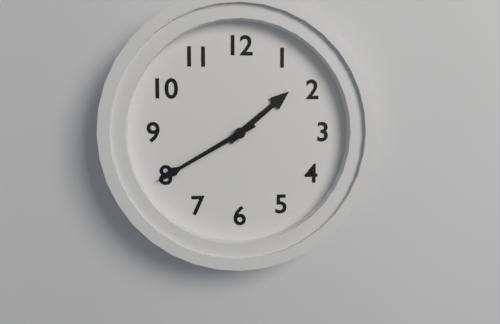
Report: 1 h 40 min
